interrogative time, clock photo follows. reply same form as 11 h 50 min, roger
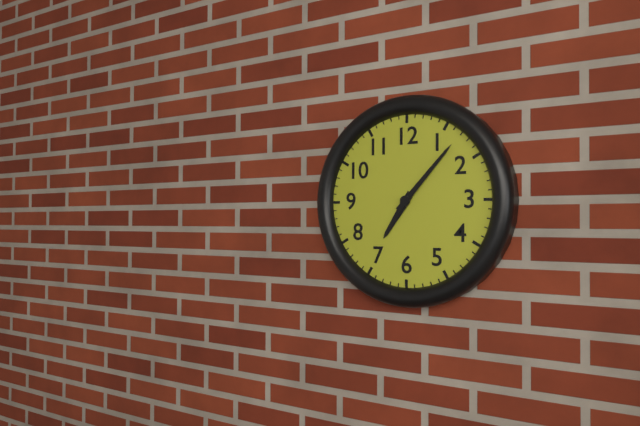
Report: 7 h 07 min
